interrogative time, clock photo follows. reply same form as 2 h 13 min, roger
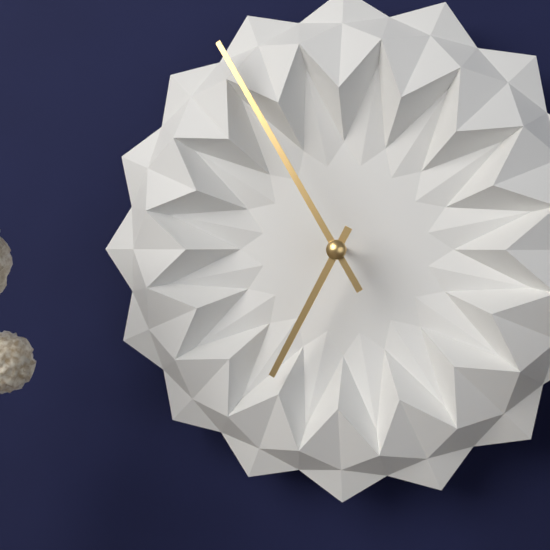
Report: 6 h 55 min
